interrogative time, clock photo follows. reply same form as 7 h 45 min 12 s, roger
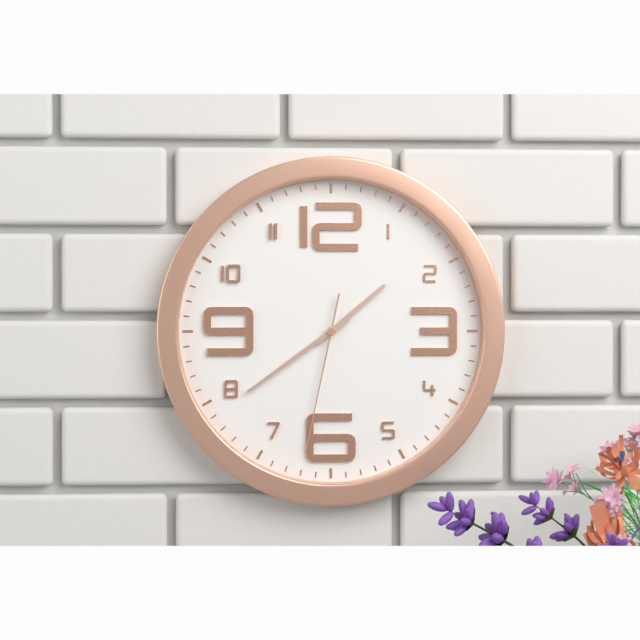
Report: 1 h 39 min 32 s
